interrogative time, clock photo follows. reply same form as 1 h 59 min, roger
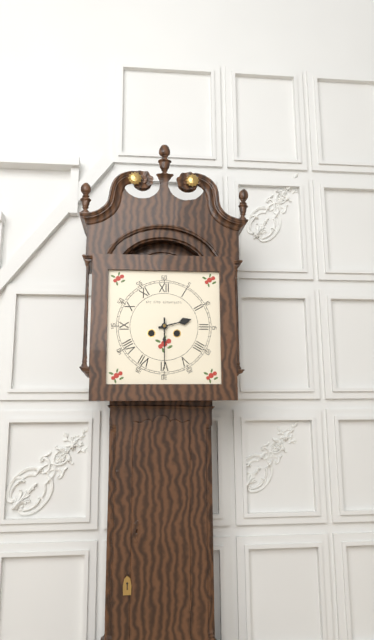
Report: 2 h 30 min
